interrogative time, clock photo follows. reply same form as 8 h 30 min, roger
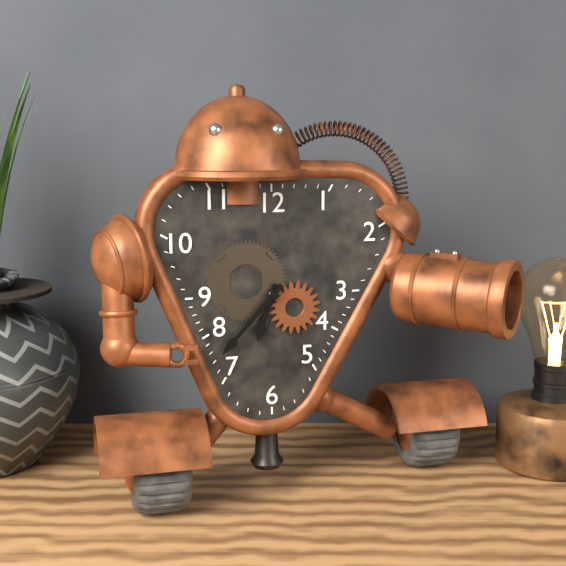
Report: 6 h 37 min
